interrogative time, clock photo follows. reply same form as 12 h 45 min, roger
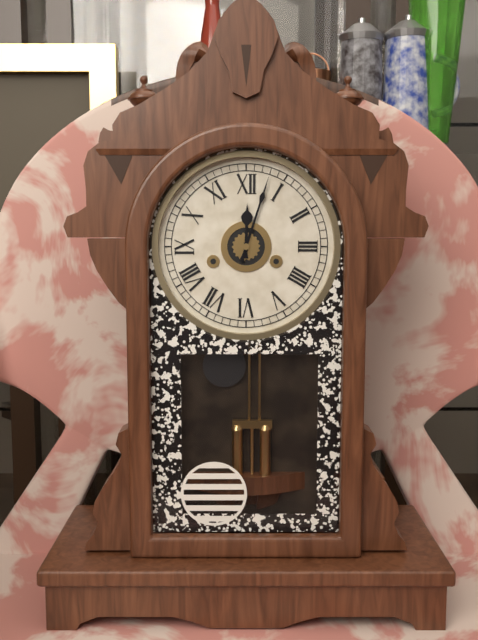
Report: 12 h 03 min
